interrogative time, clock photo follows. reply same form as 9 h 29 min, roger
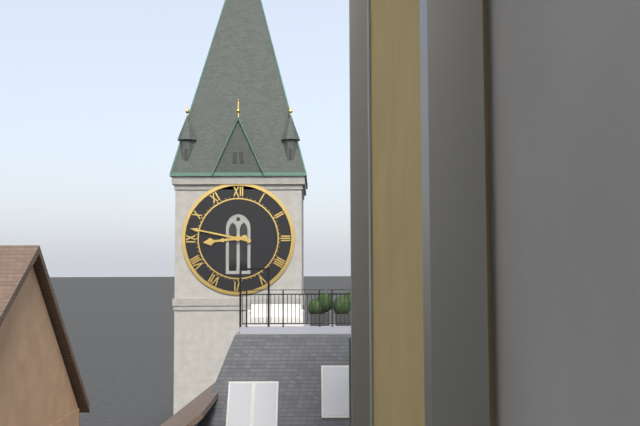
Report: 8 h 47 min
